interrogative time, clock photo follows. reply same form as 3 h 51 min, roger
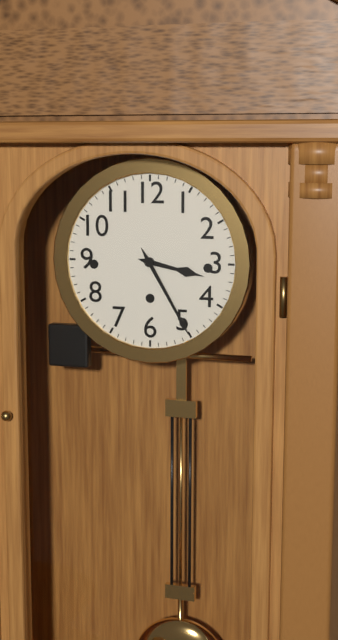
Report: 3 h 25 min
